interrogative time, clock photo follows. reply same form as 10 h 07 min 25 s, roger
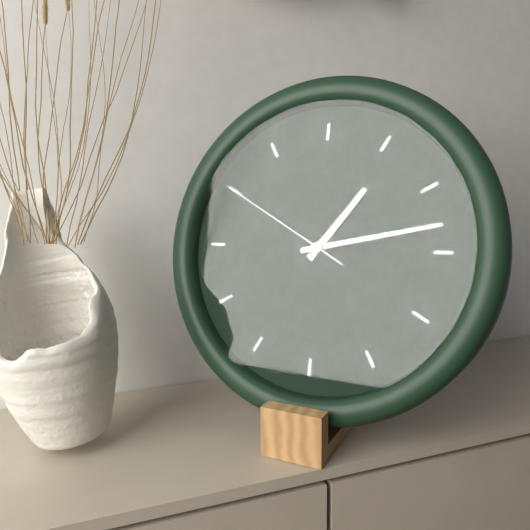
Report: 1 h 13 min 50 s
